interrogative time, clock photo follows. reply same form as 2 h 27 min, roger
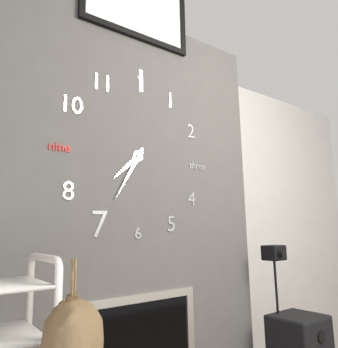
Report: 7 h 35 min
